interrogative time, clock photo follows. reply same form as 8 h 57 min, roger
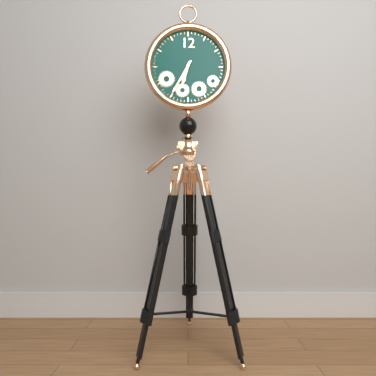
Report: 6 h 35 min
